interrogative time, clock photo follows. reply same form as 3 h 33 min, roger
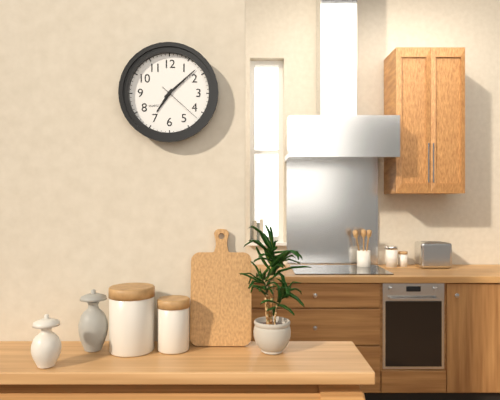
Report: 7 h 08 min
